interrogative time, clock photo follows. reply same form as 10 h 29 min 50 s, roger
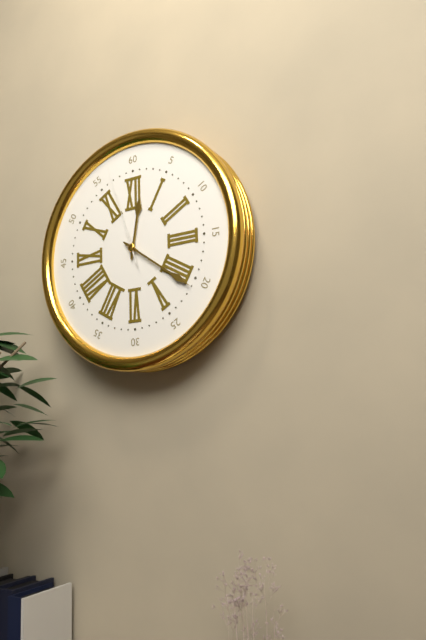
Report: 12 h 21 min 57 s
